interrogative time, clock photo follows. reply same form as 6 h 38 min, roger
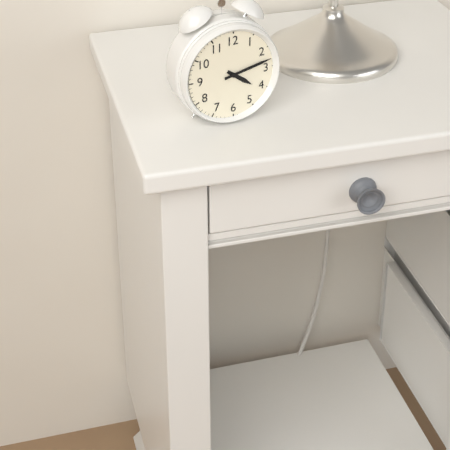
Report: 4 h 13 min
